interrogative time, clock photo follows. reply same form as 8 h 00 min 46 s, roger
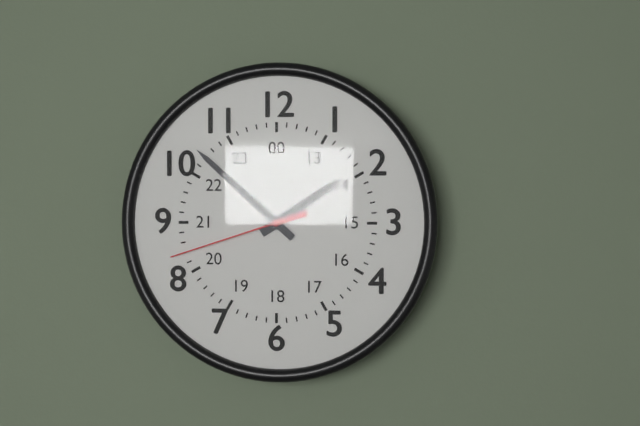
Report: 1 h 52 min 42 s
